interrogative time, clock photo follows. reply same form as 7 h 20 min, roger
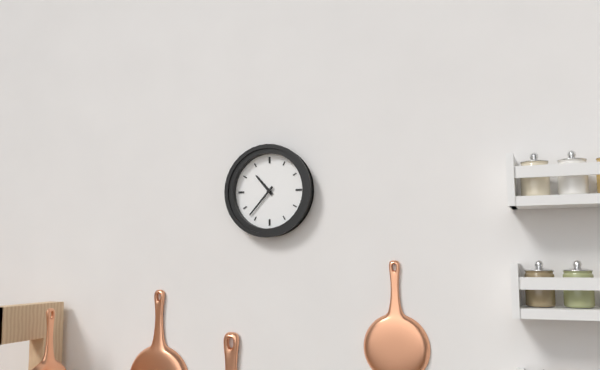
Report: 10 h 37 min
